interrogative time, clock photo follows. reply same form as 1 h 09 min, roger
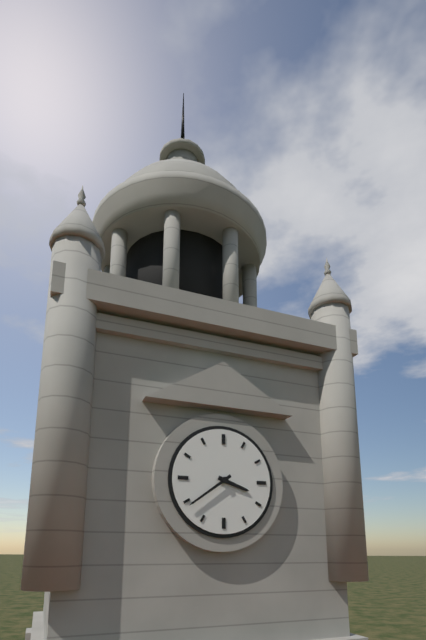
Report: 3 h 39 min
